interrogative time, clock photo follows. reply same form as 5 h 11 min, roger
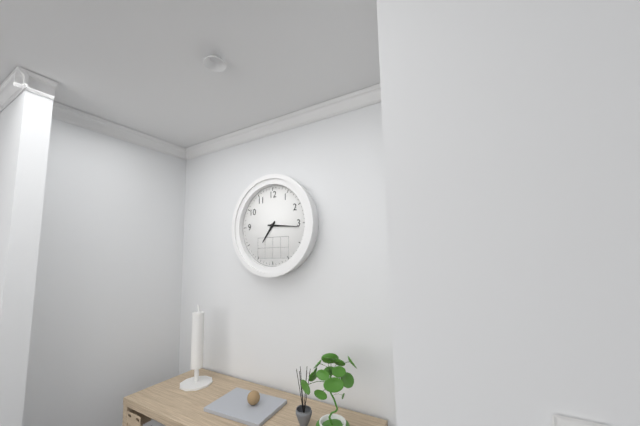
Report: 7 h 16 min
